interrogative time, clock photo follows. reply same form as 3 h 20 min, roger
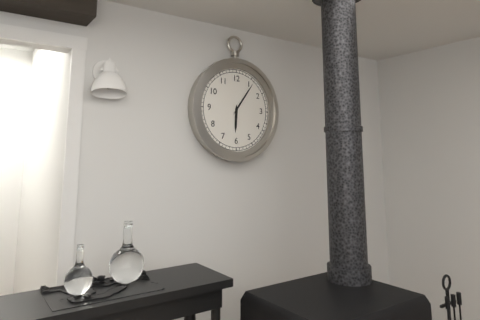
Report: 6 h 06 min
